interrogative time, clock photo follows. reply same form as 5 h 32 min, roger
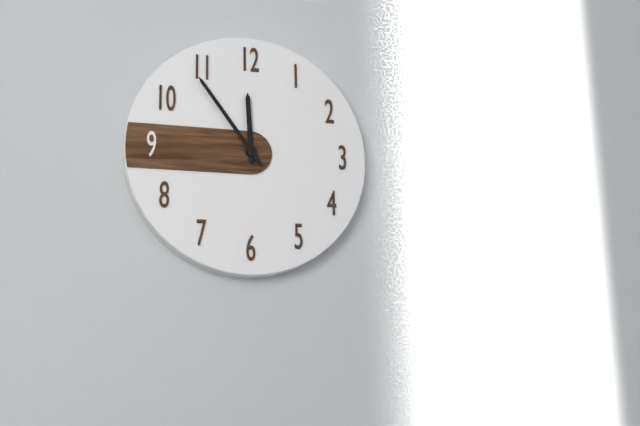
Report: 11 h 54 min
